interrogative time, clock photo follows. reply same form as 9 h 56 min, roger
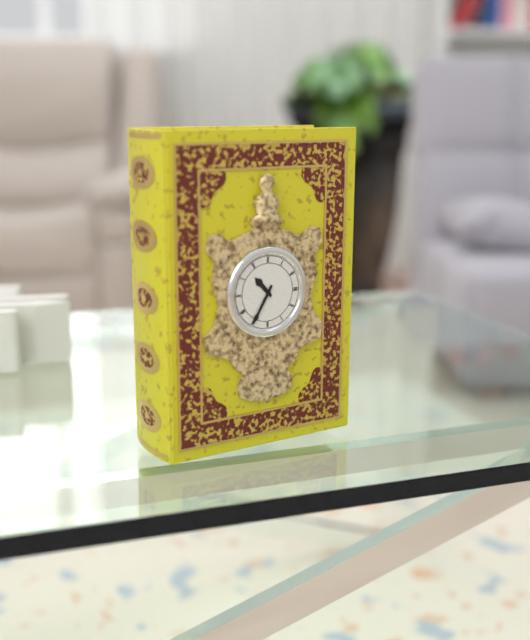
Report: 10 h 35 min
